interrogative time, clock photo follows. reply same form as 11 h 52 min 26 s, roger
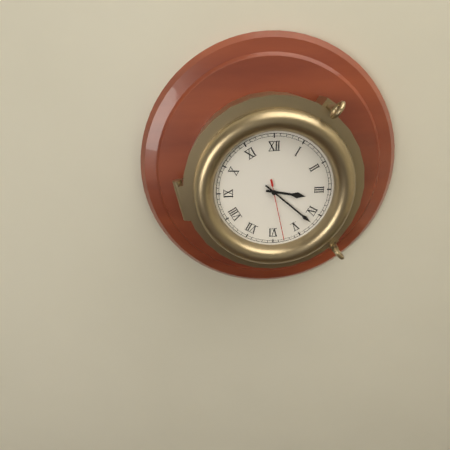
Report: 3 h 22 min 28 s
